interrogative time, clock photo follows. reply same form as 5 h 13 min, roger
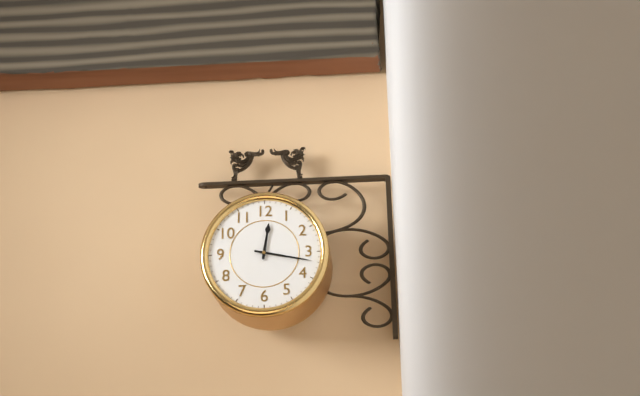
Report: 12 h 17 min
